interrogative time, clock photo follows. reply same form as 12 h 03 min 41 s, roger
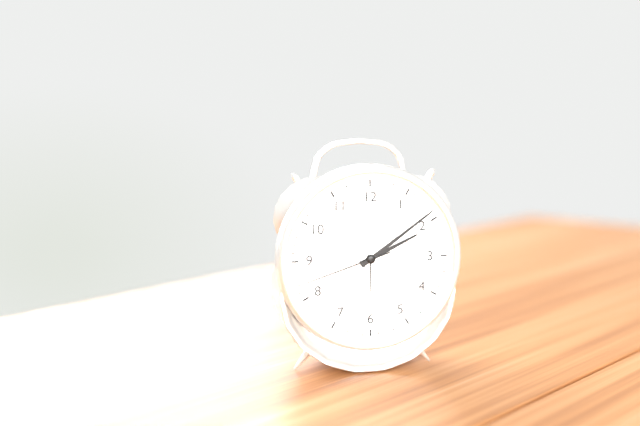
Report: 2 h 09 min 42 s
